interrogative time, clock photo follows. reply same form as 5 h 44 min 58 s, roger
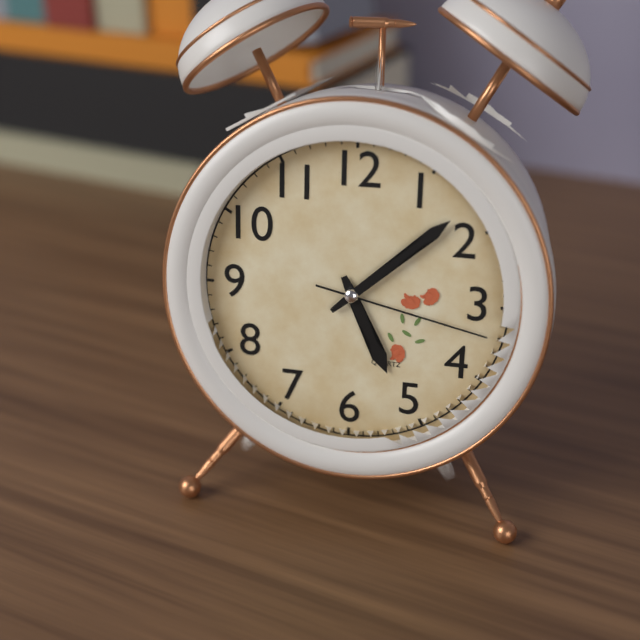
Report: 5 h 08 min 17 s
